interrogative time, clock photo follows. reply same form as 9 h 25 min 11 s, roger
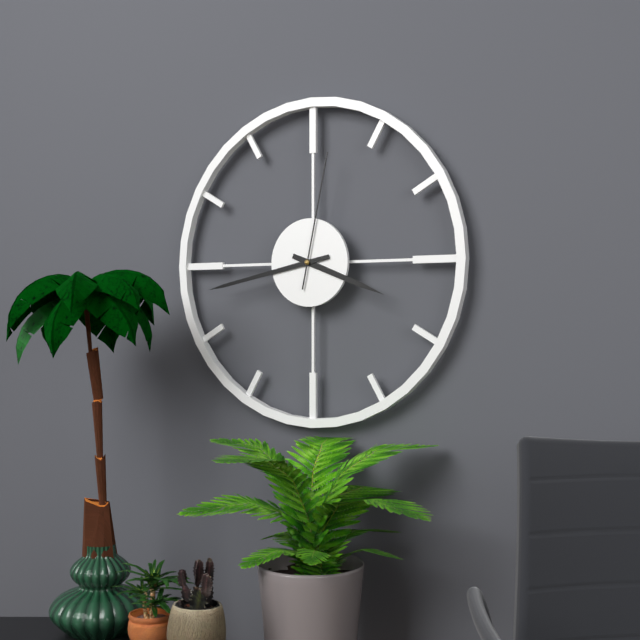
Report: 3 h 43 min 02 s
